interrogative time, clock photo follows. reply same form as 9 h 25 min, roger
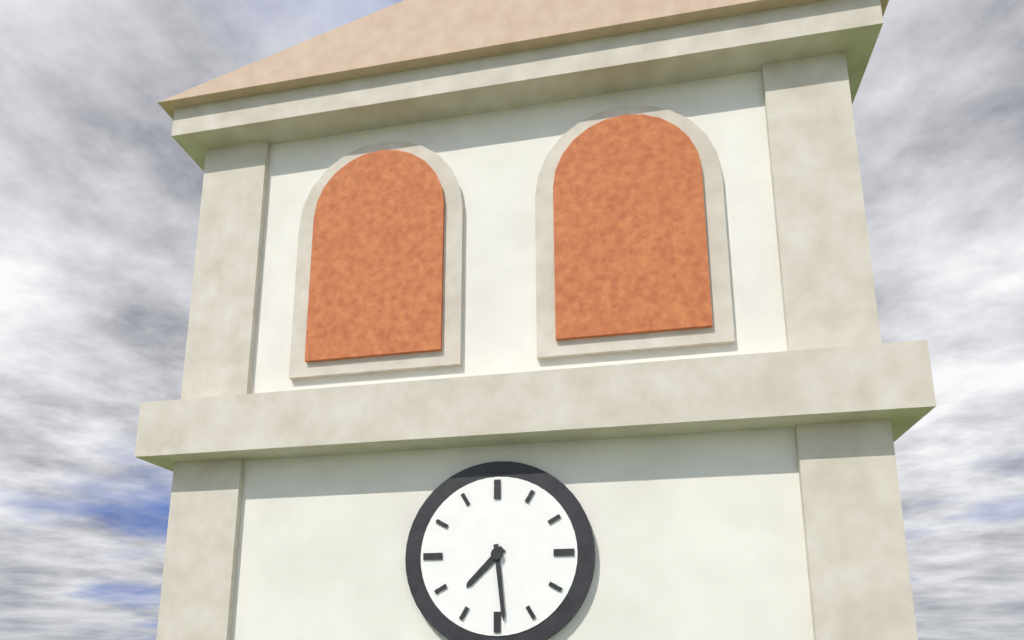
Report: 7 h 29 min
